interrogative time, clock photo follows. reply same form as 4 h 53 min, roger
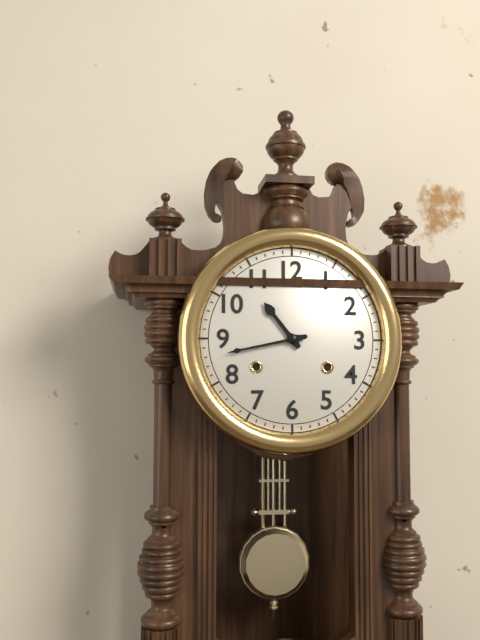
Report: 10 h 43 min
